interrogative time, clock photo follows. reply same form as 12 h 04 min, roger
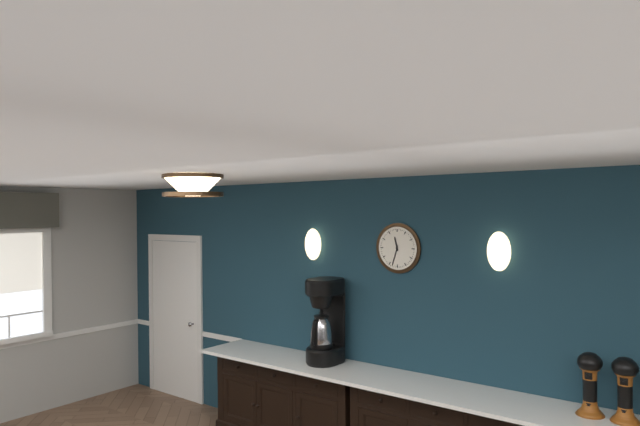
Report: 11 h 33 min
